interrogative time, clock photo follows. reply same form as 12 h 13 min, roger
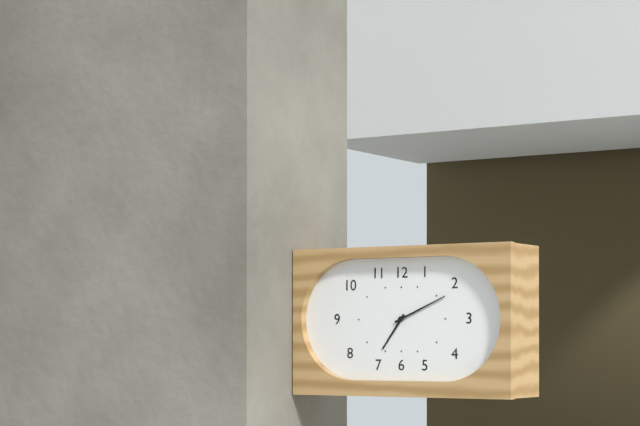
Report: 7 h 11 min
